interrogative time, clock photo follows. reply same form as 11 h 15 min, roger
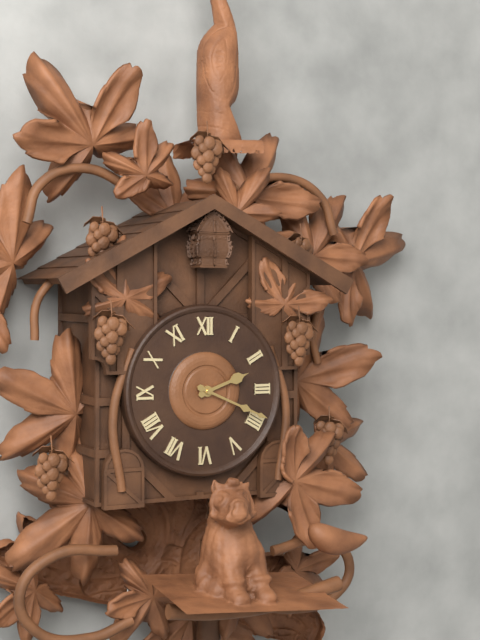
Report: 2 h 19 min
